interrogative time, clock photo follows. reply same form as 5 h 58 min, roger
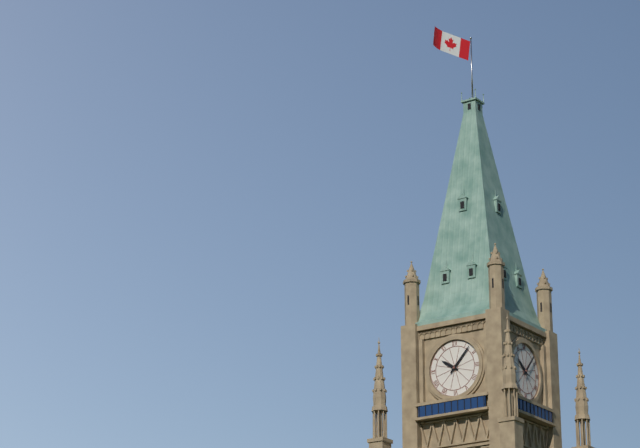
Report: 10 h 07 min
